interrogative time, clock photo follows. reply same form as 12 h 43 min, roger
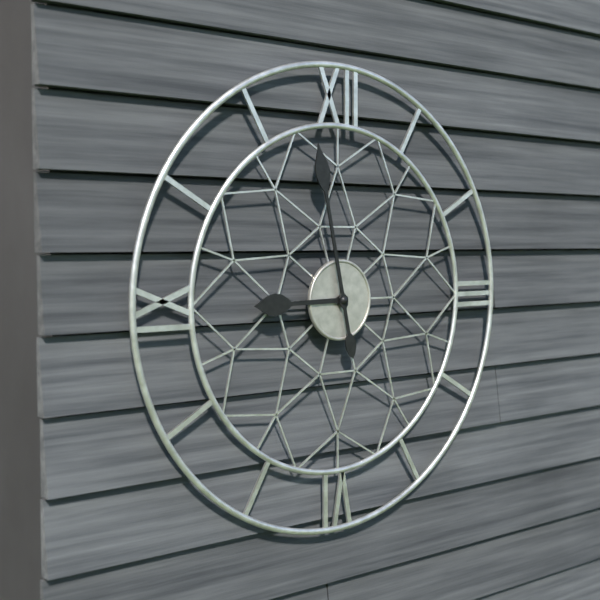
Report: 8 h 58 min
